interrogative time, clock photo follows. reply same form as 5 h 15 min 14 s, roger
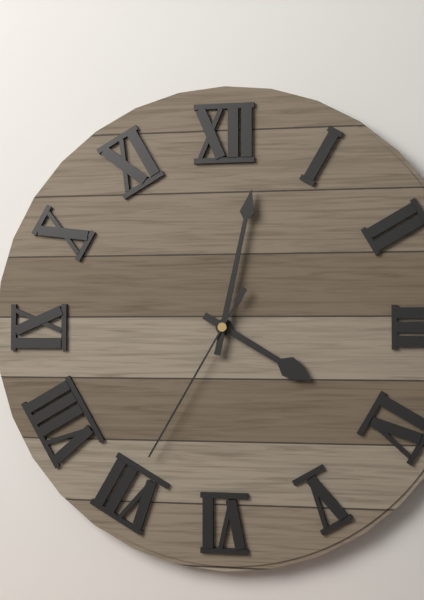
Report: 4 h 02 min 35 s
